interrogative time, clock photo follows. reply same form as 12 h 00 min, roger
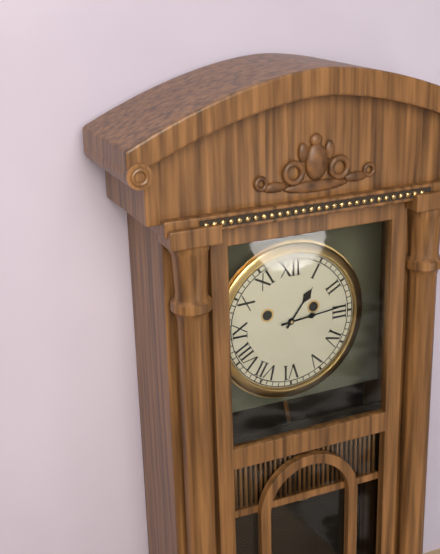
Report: 1 h 14 min
